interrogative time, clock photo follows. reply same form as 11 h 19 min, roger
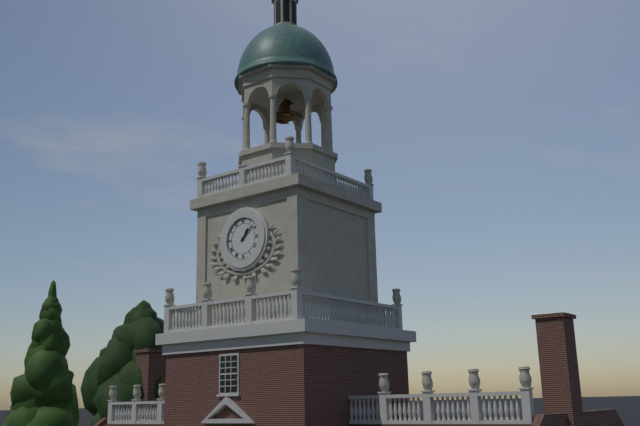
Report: 1 h 08 min
